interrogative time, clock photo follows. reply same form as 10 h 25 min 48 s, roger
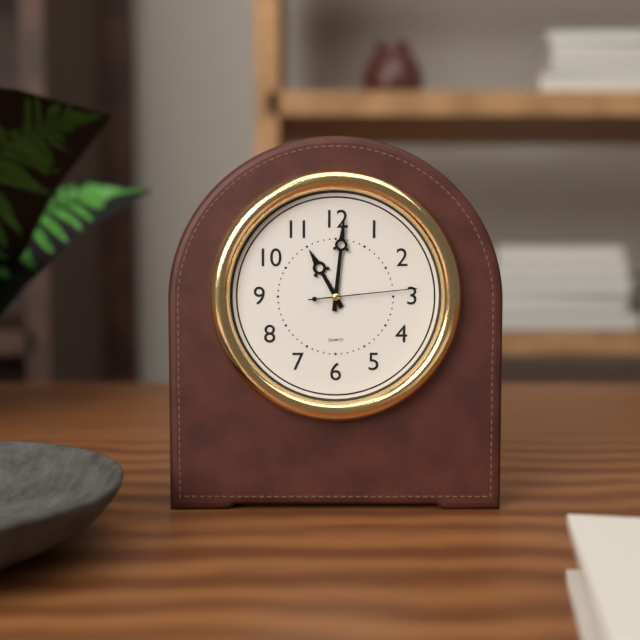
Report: 11 h 01 min 14 s
